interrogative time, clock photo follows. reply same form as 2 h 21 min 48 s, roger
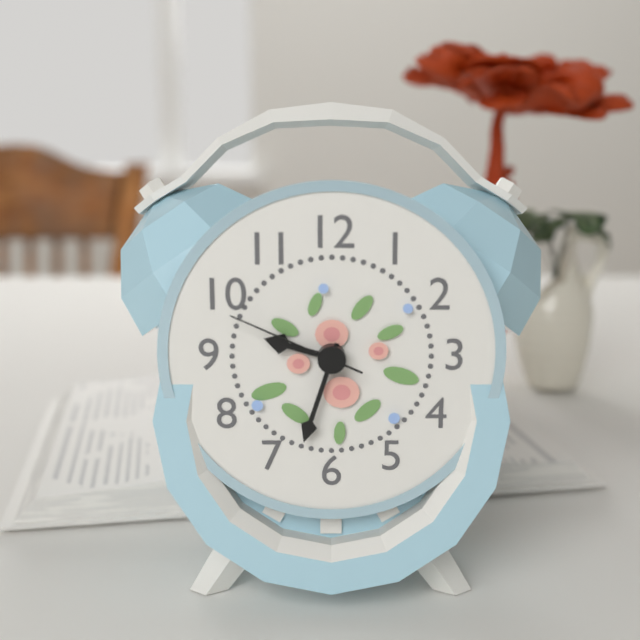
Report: 9 h 33 min 49 s
